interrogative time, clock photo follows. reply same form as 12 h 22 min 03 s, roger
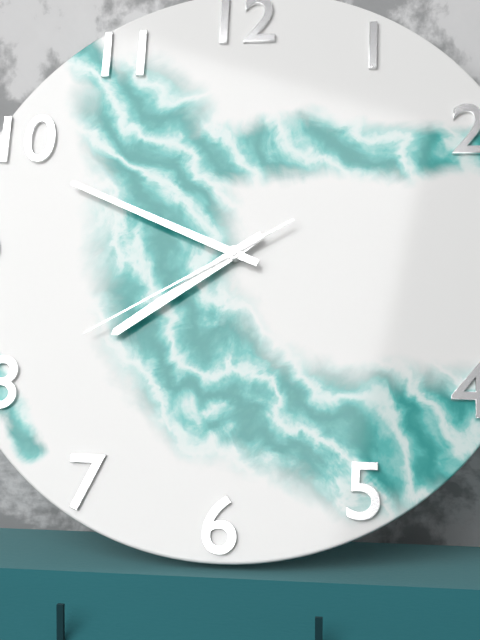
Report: 7 h 49 min 40 s
